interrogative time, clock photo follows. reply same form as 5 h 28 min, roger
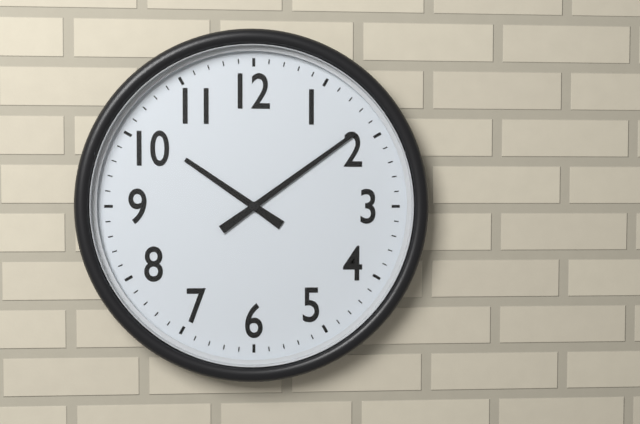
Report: 10 h 09 min
